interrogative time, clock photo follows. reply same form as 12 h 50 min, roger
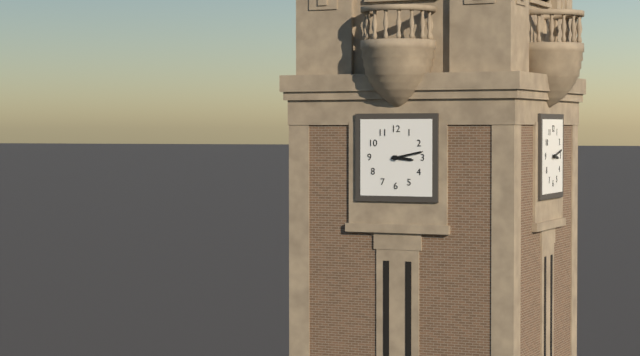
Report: 3 h 13 min
